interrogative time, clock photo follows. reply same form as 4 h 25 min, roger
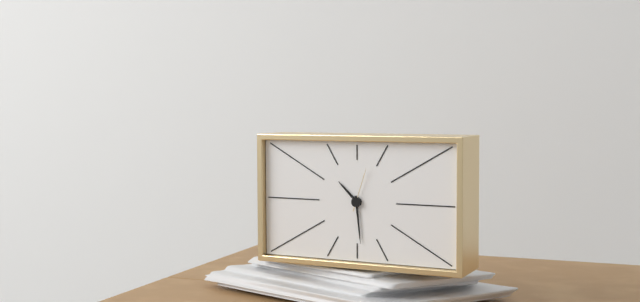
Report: 10 h 29 min
